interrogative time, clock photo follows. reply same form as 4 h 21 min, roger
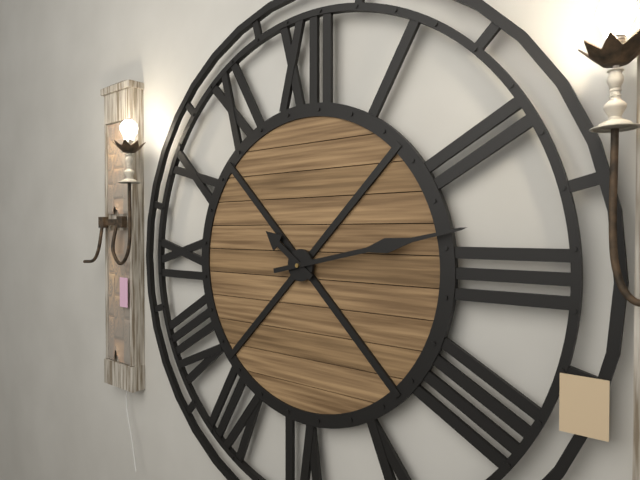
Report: 10 h 13 min
